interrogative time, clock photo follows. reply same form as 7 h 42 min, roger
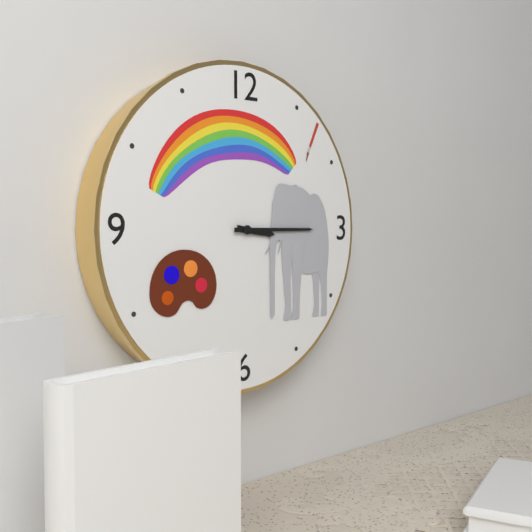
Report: 3 h 15 min
